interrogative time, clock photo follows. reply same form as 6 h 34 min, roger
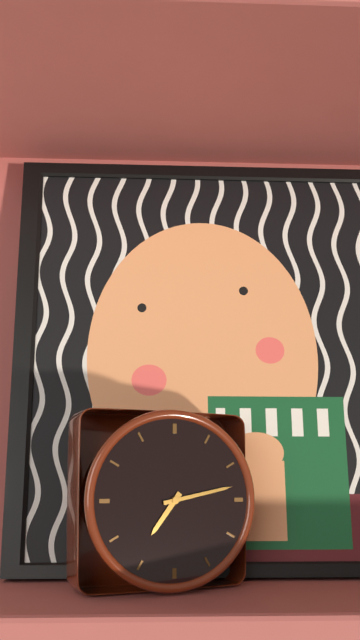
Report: 7 h 13 min
